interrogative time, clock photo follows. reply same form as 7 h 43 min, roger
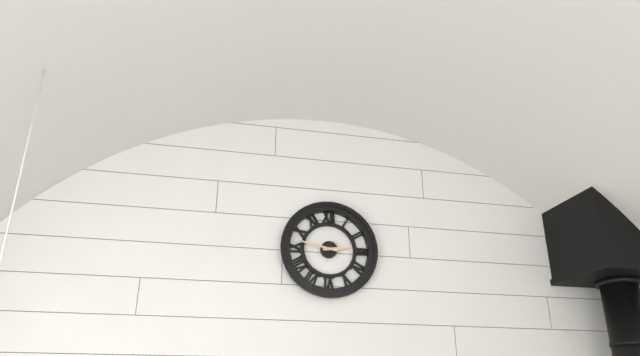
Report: 2 h 47 min
